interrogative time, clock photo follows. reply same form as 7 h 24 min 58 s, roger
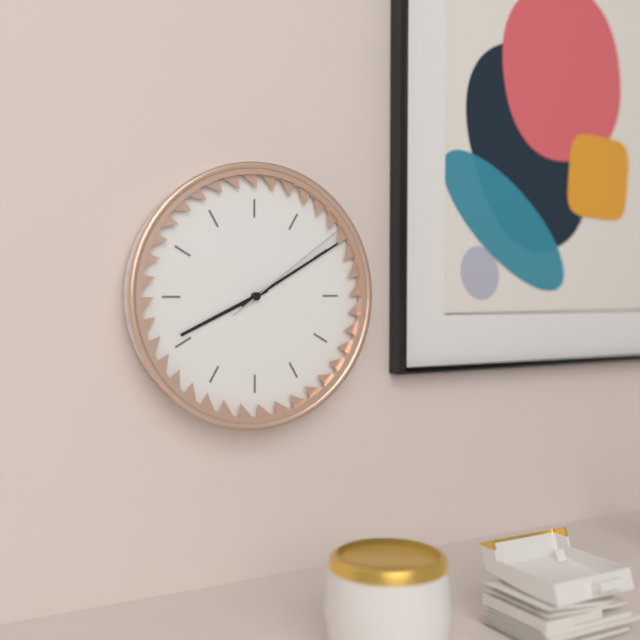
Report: 8 h 10 min 09 s
